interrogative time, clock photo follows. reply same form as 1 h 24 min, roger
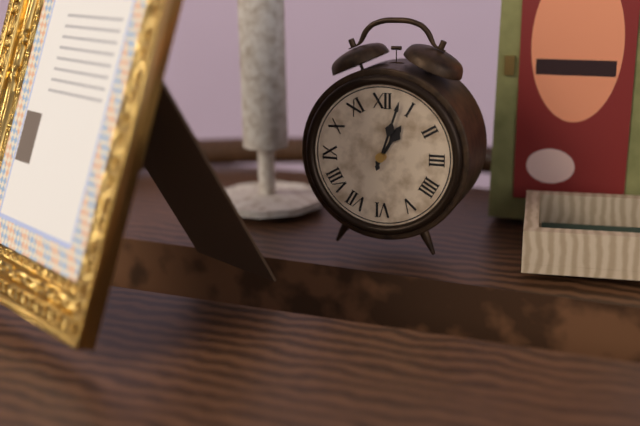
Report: 1 h 03 min
